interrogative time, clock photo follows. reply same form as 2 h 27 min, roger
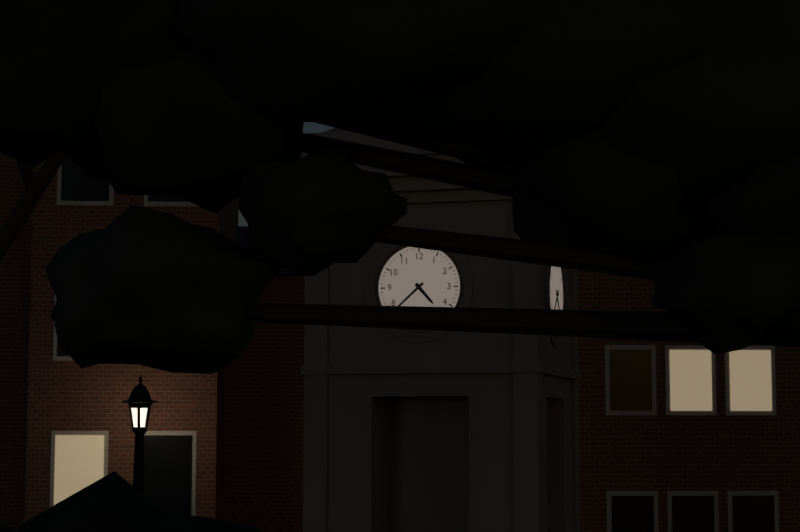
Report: 4 h 38 min
